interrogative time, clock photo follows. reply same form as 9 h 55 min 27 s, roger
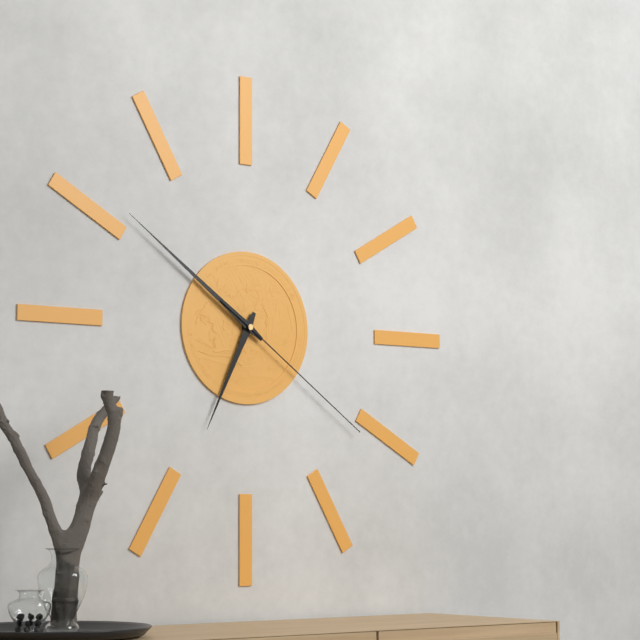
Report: 6 h 51 min 21 s
